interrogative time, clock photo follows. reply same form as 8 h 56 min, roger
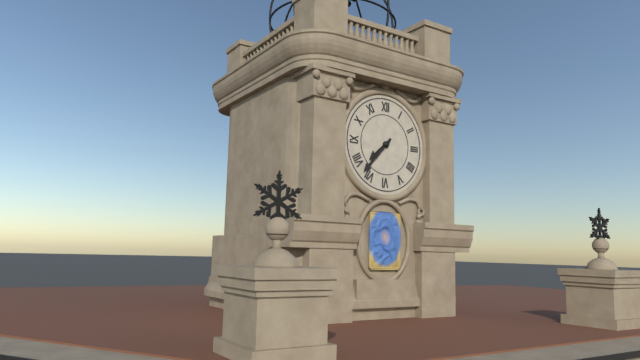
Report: 7 h 37 min
